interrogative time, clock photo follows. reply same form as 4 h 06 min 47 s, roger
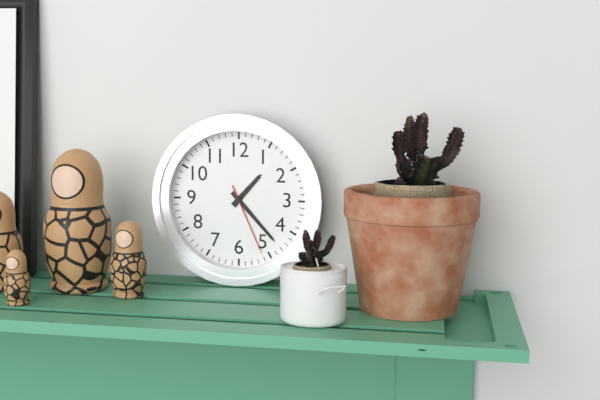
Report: 1 h 23 min 26 s
